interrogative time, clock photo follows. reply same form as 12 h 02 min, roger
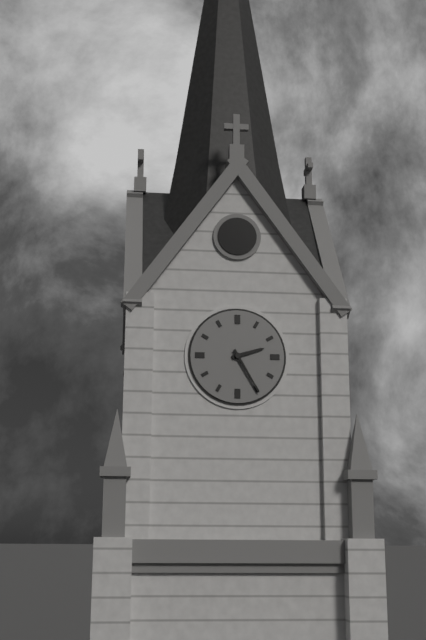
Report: 2 h 25 min
